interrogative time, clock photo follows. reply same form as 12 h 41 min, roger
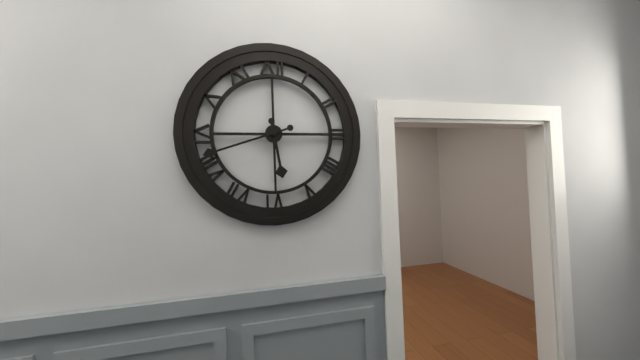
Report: 5 h 42 min
